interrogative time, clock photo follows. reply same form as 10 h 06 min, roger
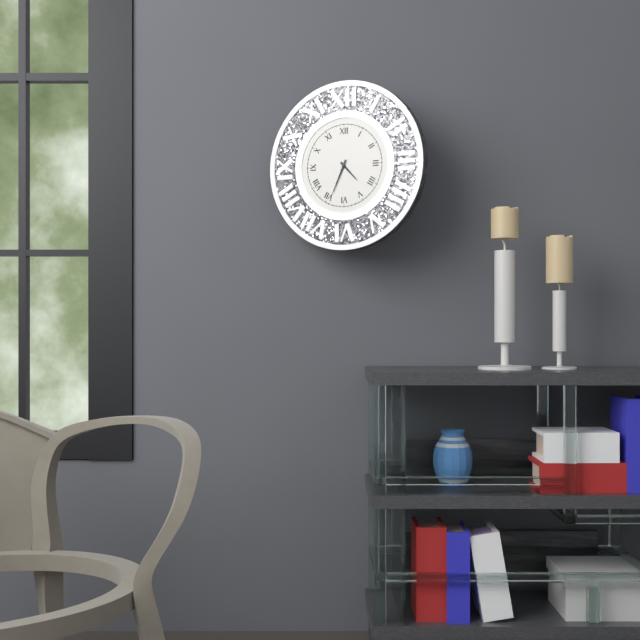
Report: 4 h 34 min
